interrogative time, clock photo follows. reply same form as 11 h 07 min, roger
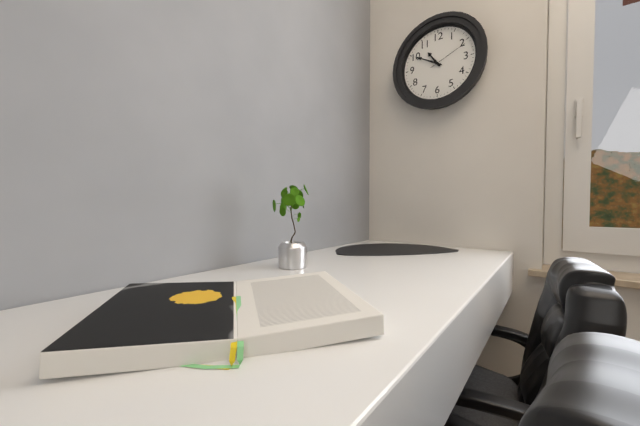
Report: 10 h 50 min
